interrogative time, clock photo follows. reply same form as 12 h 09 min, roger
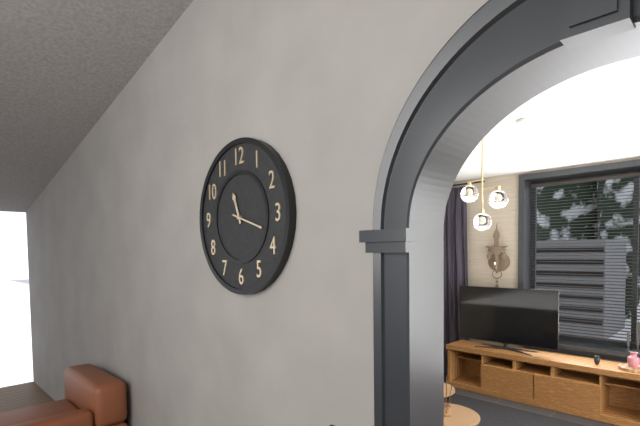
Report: 11 h 18 min
